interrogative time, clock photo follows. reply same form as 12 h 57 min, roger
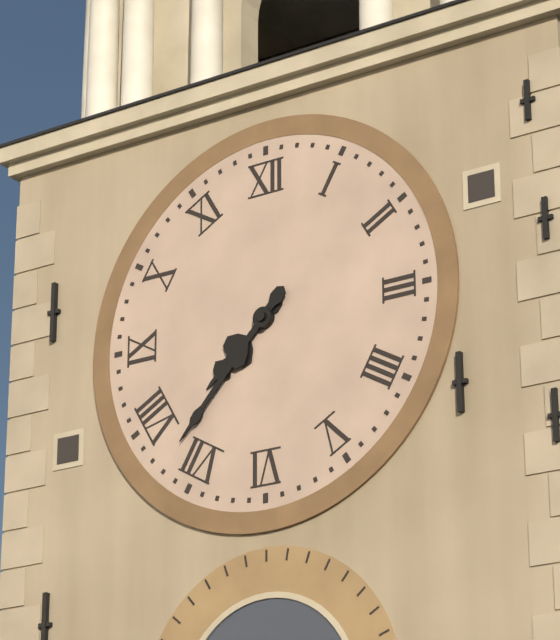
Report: 7 h 37 min
